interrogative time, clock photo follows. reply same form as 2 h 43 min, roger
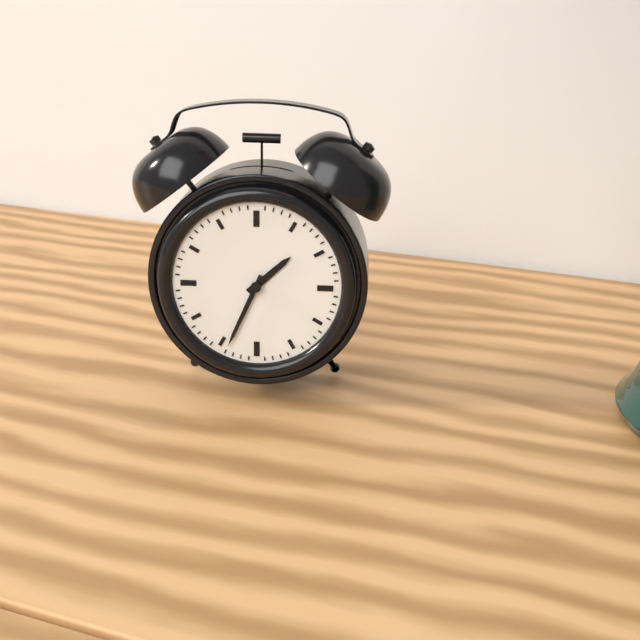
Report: 1 h 34 min
